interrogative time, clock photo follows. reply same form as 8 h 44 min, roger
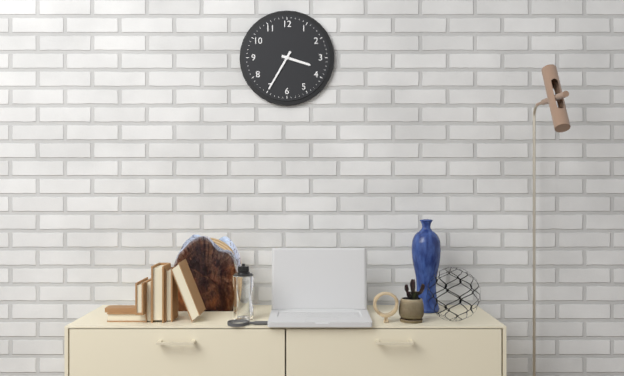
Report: 3 h 35 min
